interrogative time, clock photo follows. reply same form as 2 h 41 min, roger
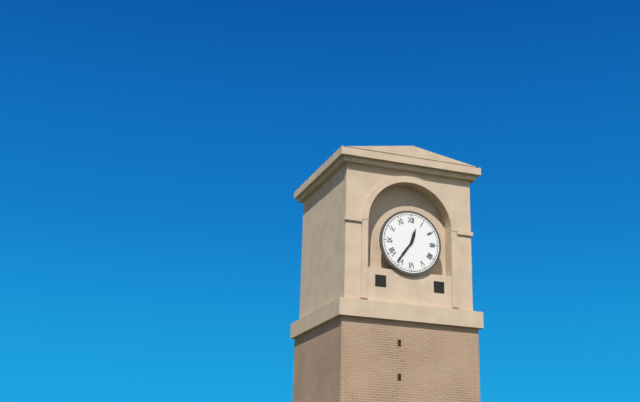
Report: 12 h 36 min
